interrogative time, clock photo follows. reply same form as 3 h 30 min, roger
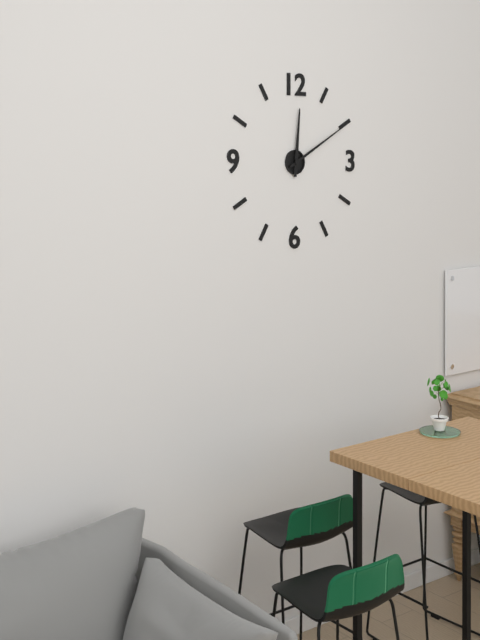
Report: 12 h 10 min
